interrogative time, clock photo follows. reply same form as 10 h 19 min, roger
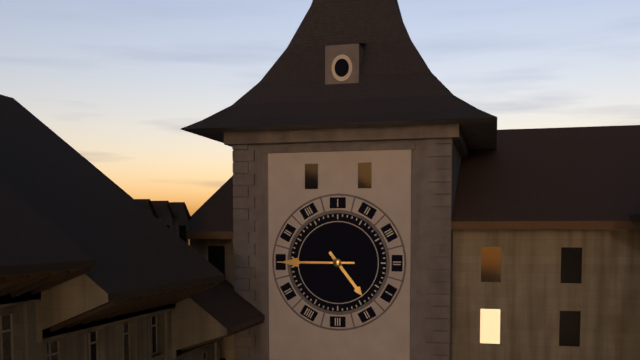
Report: 4 h 45 min
